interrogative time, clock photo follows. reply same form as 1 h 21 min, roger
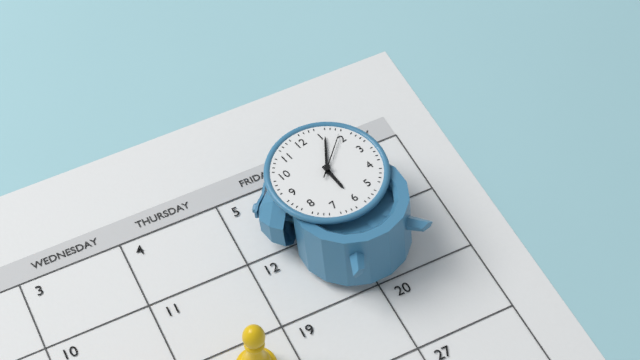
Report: 6 h 06 min
